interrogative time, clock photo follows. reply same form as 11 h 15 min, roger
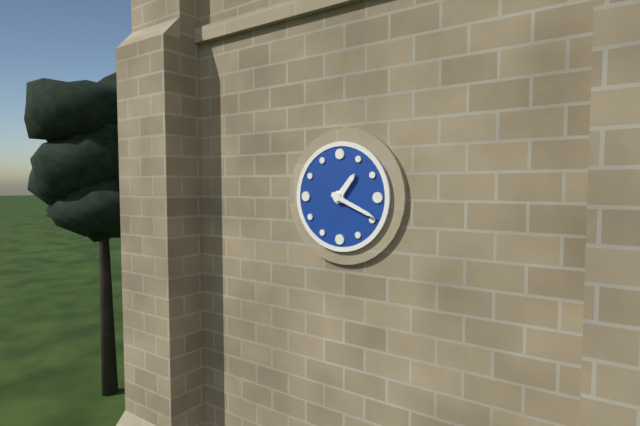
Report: 1 h 19 min
